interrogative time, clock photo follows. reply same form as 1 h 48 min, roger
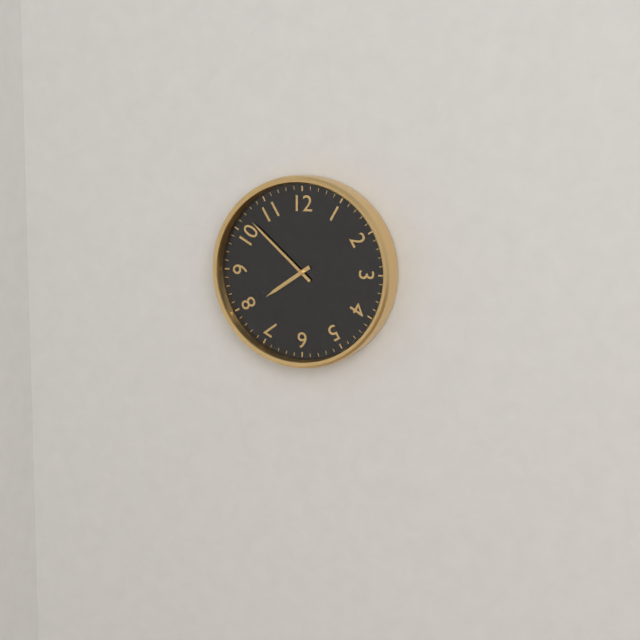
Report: 7 h 52 min
